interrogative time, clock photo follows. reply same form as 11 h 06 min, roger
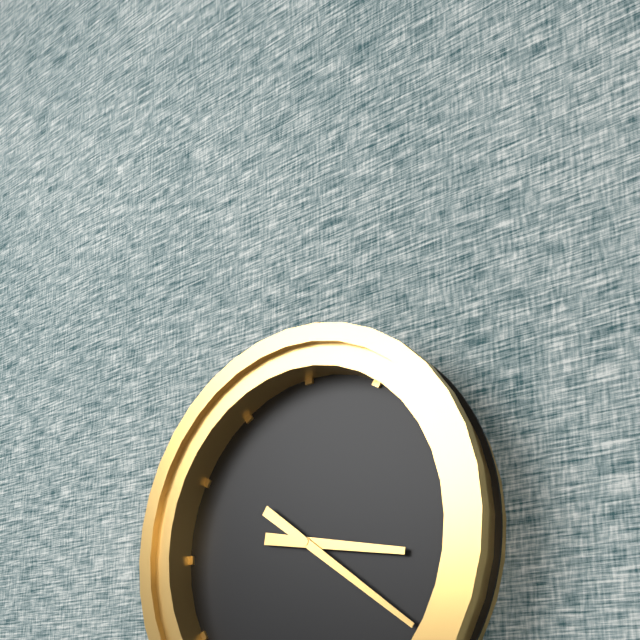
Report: 3 h 21 min
